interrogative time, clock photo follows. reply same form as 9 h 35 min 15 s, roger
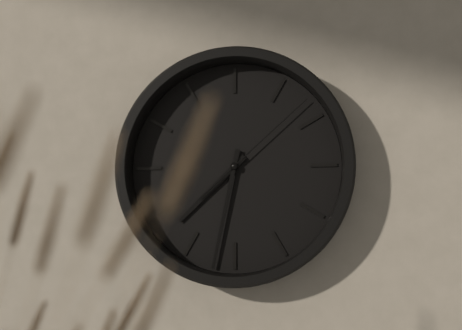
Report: 7 h 32 min 08 s
